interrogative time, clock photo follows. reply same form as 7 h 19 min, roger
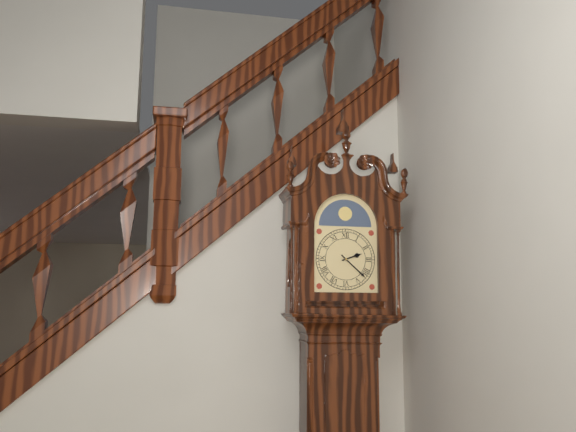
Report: 2 h 22 min
